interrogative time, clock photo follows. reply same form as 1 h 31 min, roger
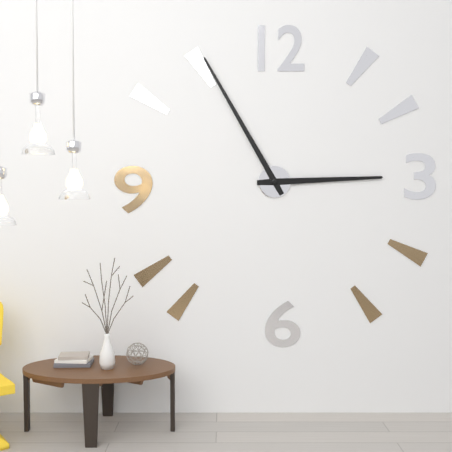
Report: 2 h 55 min
